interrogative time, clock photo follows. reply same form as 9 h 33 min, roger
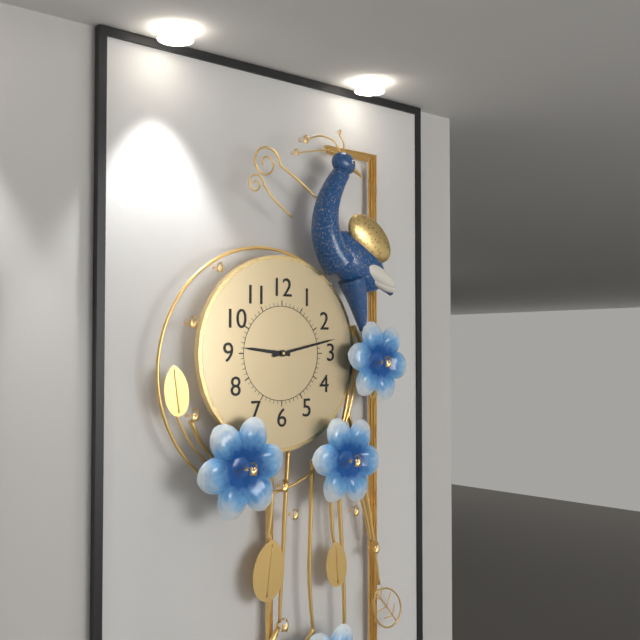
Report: 9 h 13 min
